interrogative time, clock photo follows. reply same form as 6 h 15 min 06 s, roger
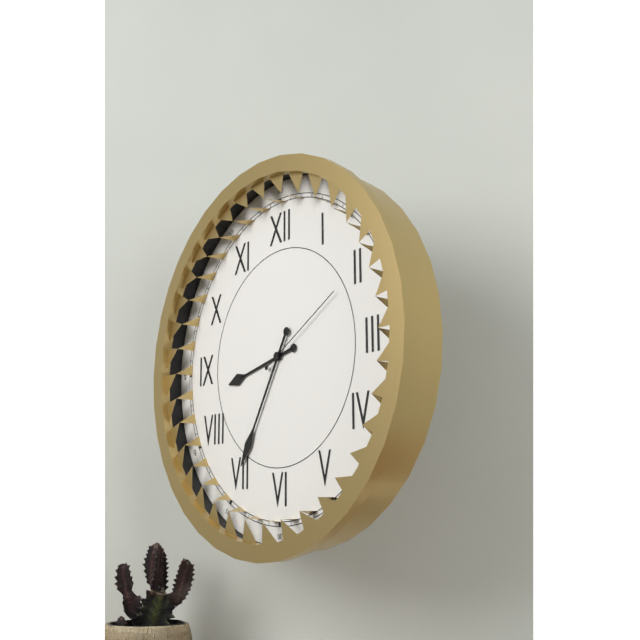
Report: 8 h 35 min 10 s
